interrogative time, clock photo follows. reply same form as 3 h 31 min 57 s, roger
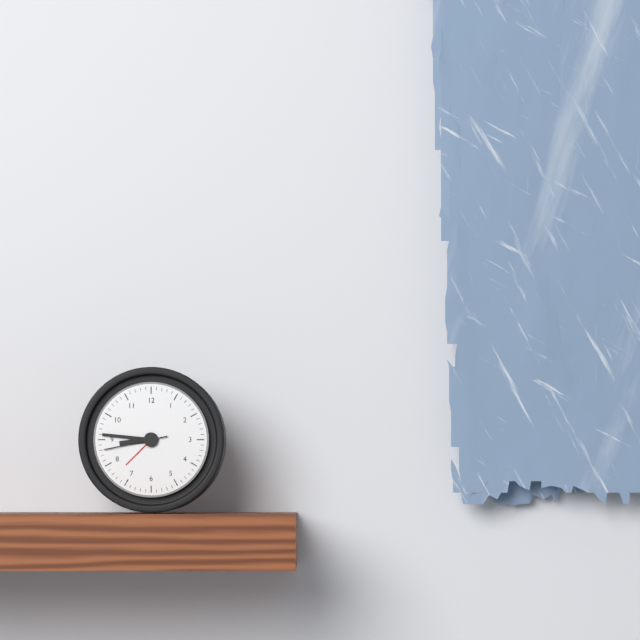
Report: 8 h 46 min 43 s
